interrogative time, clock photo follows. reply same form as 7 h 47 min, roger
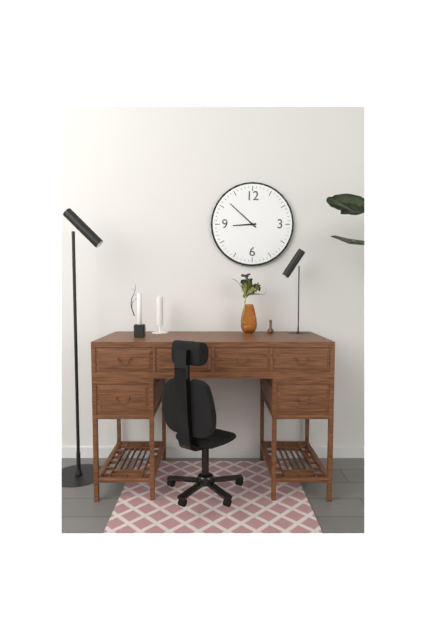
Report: 8 h 52 min
